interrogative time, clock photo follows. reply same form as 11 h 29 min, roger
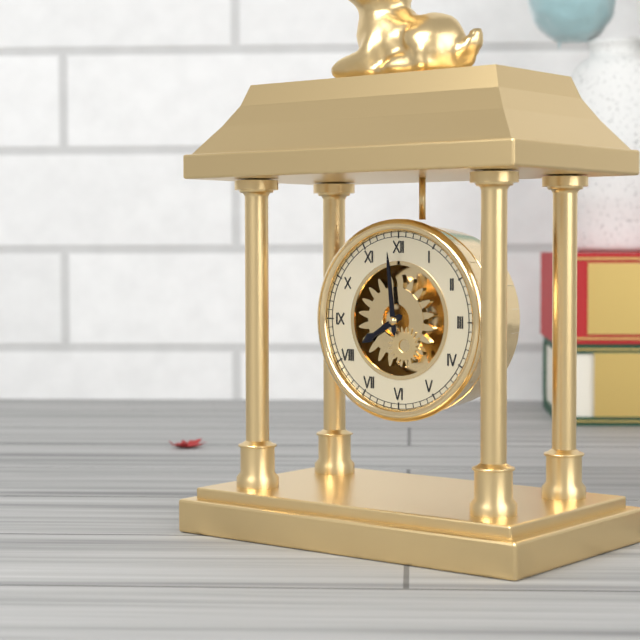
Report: 7 h 59 min
